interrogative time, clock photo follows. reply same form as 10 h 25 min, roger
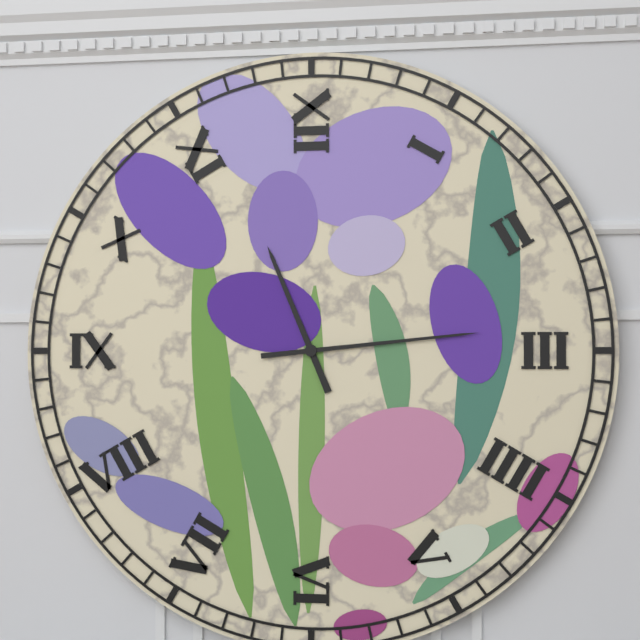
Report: 11 h 14 min
